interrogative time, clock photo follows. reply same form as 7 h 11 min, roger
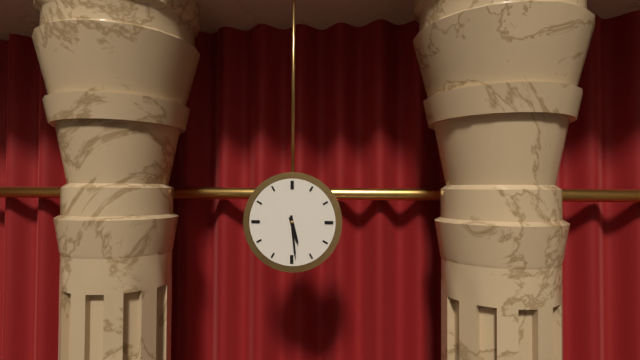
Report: 5 h 29 min
